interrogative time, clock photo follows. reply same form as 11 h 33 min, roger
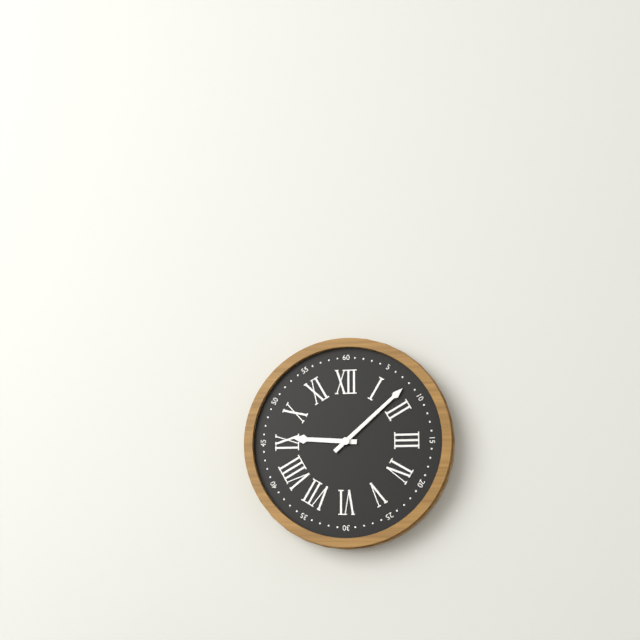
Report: 9 h 08 min
